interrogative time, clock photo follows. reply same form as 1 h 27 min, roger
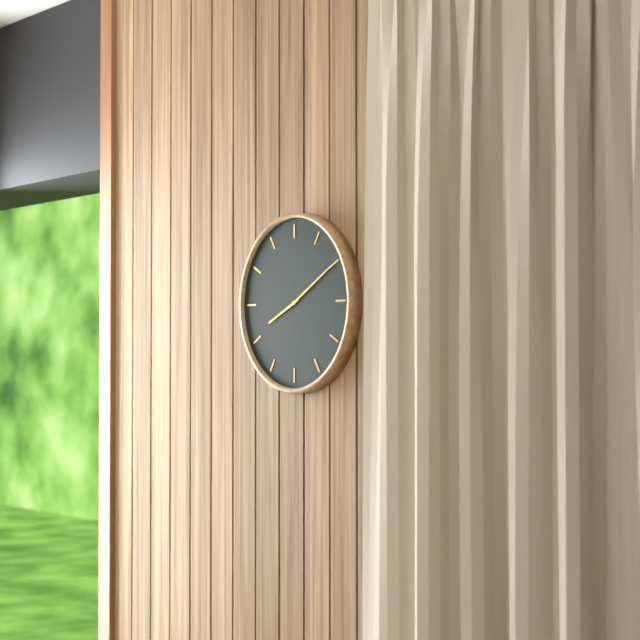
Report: 8 h 10 min
